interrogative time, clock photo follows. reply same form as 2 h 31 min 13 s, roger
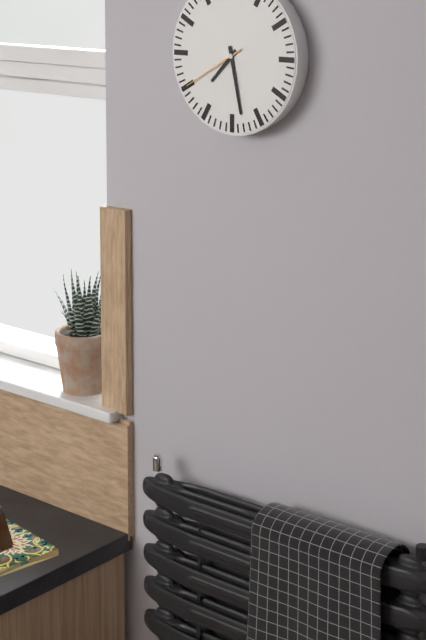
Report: 7 h 28 min 40 s
